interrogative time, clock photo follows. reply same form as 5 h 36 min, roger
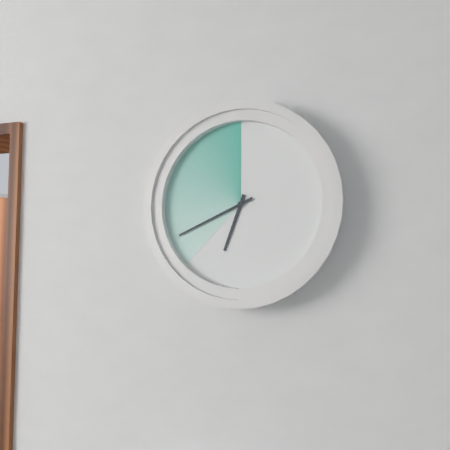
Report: 6 h 41 min
